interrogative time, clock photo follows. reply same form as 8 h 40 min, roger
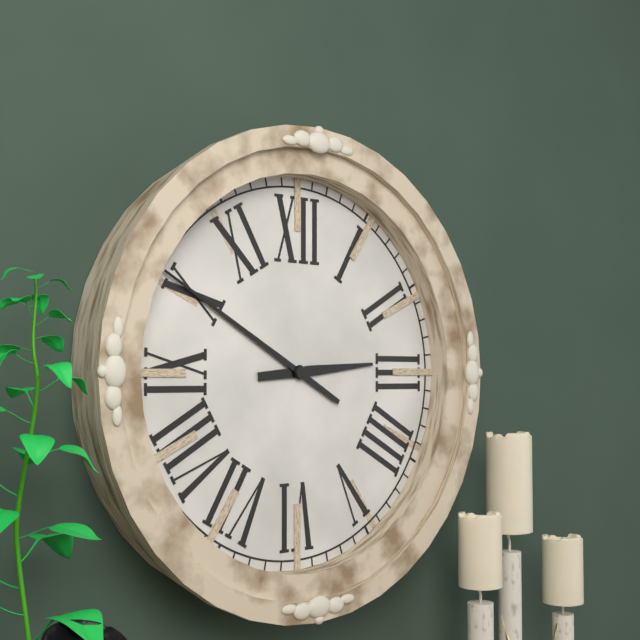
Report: 2 h 50 min
